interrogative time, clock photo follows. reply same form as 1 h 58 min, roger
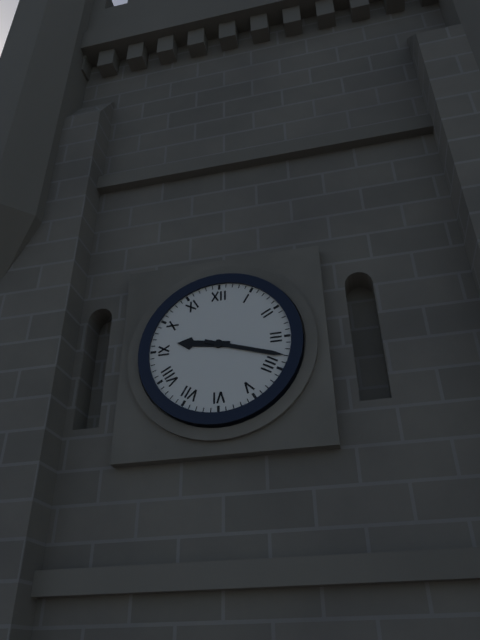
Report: 9 h 18 min
